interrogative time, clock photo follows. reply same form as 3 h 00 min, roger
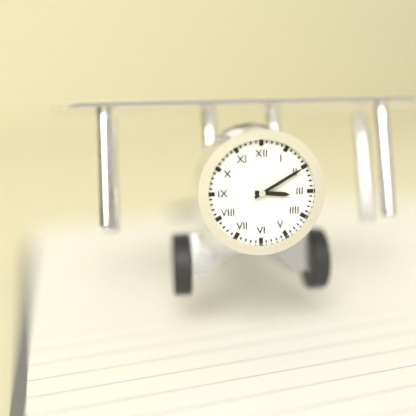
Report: 3 h 10 min
